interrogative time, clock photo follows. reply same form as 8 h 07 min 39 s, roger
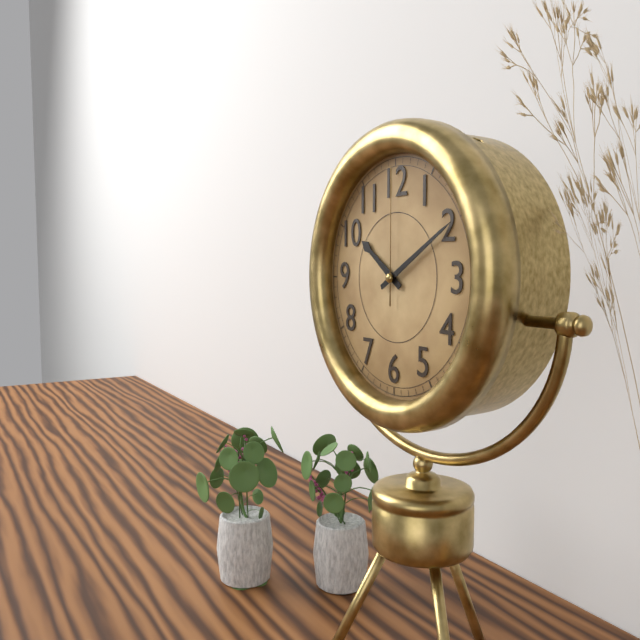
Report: 10 h 10 min 00 s
